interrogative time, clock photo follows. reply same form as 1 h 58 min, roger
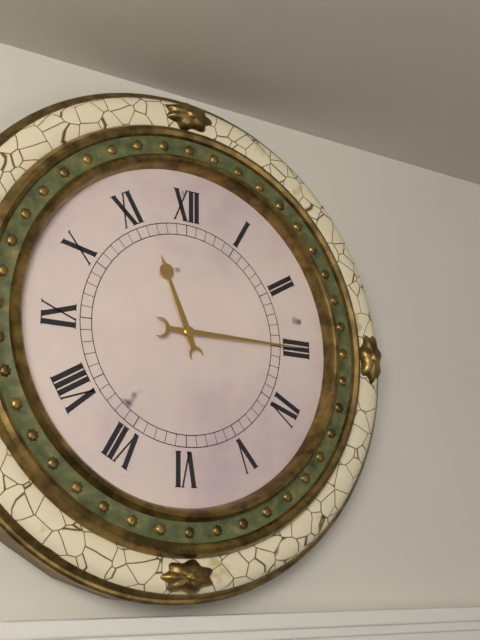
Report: 11 h 15 min
